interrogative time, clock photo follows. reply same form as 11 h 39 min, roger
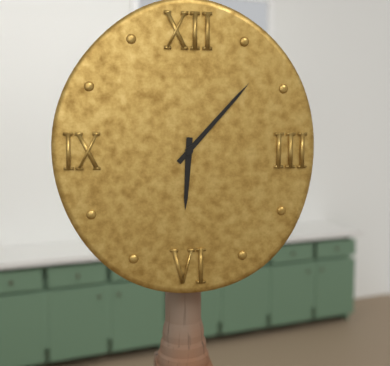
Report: 6 h 07 min
